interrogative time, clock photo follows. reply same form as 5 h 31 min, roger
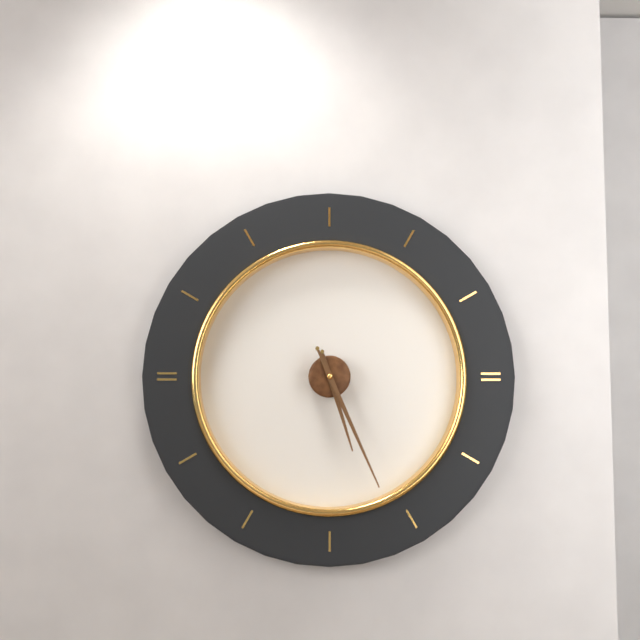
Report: 5 h 26 min
